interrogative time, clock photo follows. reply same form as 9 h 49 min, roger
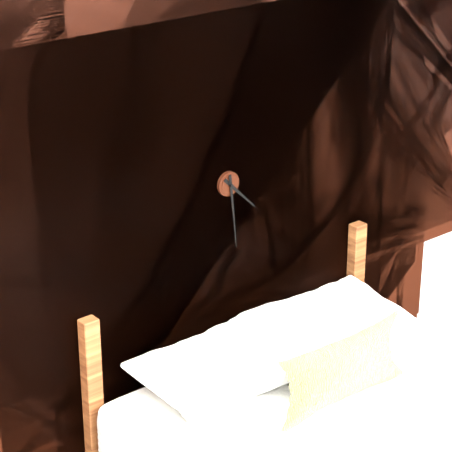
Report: 4 h 29 min
